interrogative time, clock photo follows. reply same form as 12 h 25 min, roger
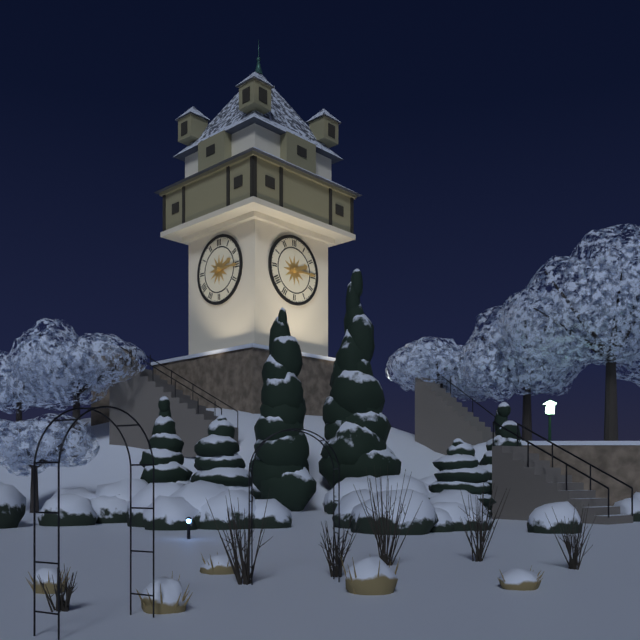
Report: 2 h 15 min
